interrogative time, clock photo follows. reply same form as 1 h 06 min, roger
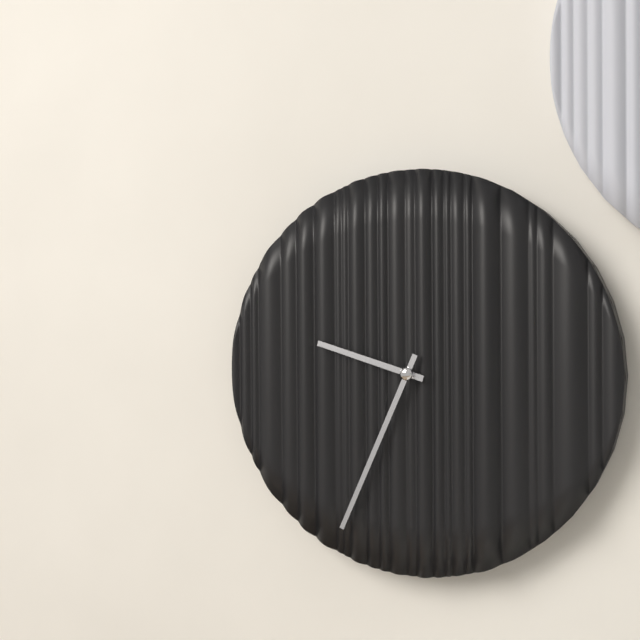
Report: 9 h 34 min
